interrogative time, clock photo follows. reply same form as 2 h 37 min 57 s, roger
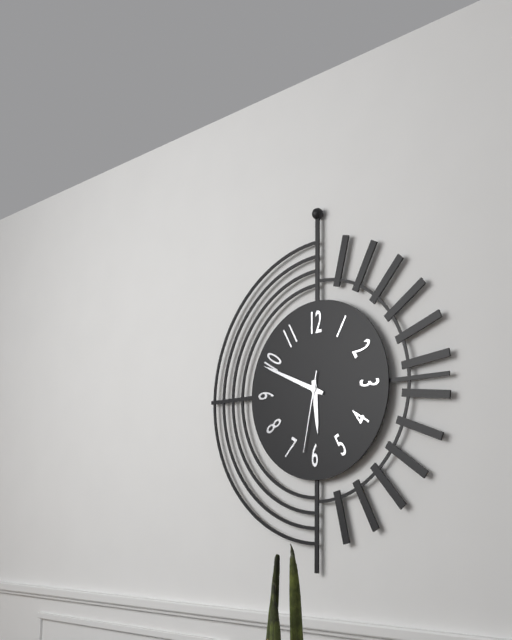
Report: 5 h 49 min 32 s
